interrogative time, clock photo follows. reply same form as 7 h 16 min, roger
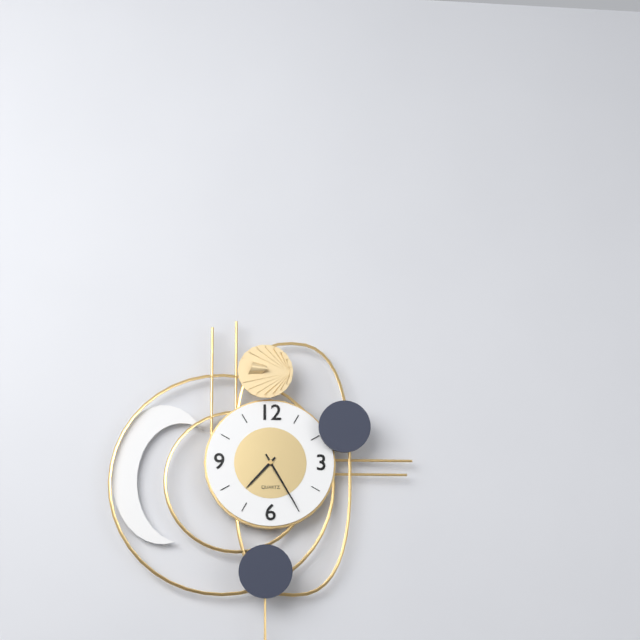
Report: 7 h 25 min
